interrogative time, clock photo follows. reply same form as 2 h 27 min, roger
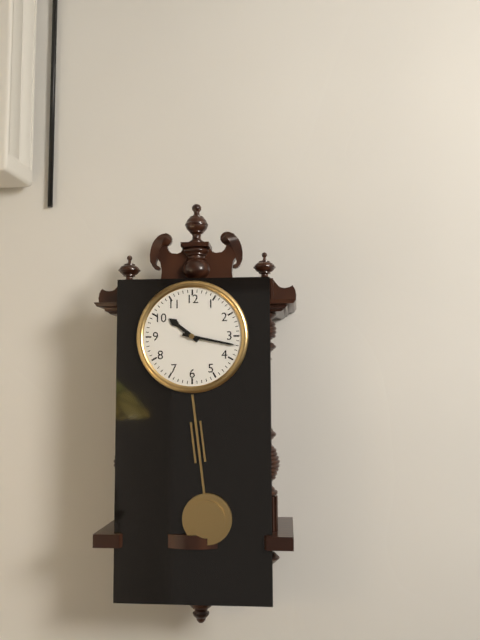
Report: 10 h 17 min
